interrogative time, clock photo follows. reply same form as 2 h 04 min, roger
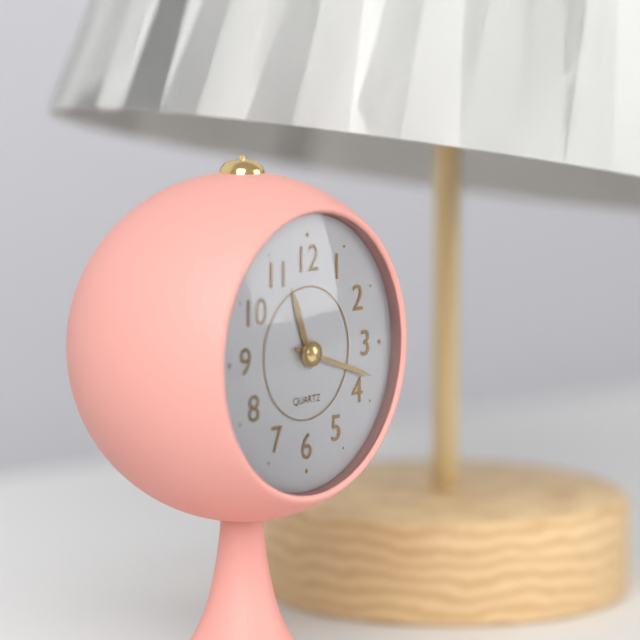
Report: 11 h 18 min
